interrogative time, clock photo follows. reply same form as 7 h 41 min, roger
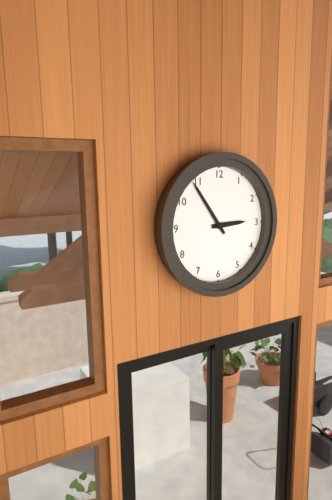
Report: 2 h 54 min
